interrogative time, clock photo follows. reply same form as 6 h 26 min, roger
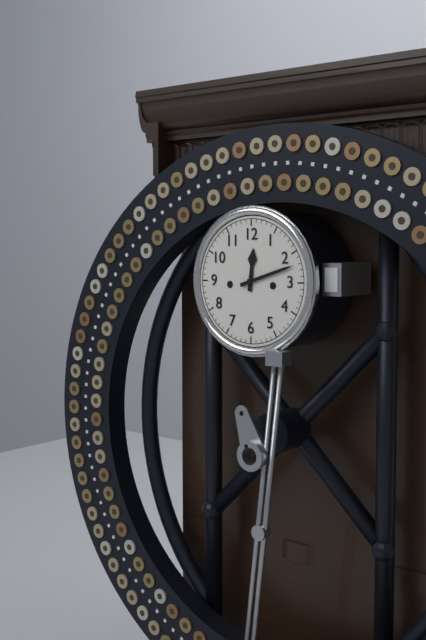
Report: 12 h 12 min
